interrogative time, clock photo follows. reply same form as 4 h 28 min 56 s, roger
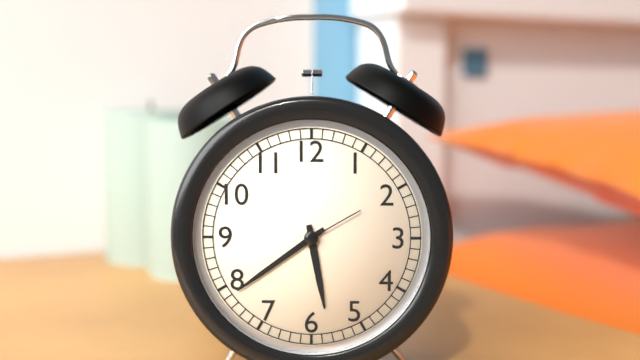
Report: 5 h 39 min 10 s
